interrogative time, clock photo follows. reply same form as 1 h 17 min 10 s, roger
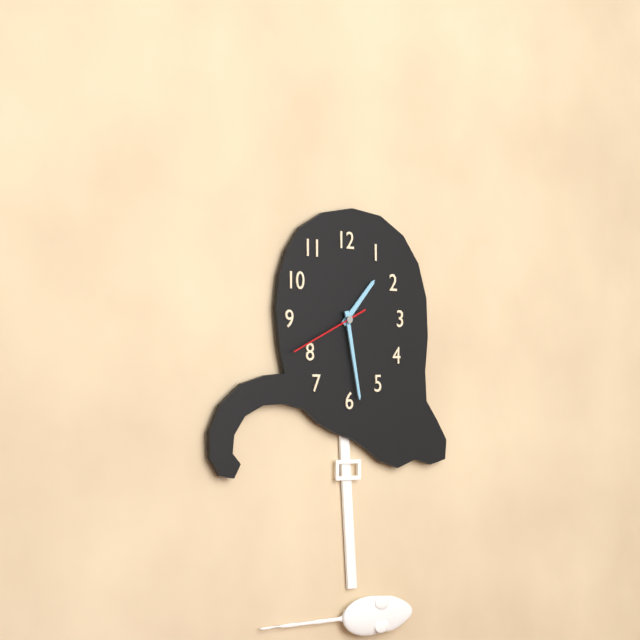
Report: 1 h 28 min 41 s
